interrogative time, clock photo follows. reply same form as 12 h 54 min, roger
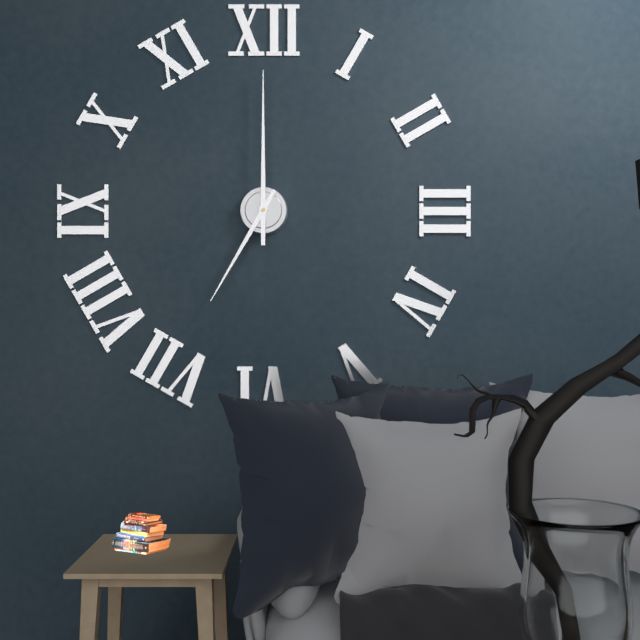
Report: 7 h 00 min
